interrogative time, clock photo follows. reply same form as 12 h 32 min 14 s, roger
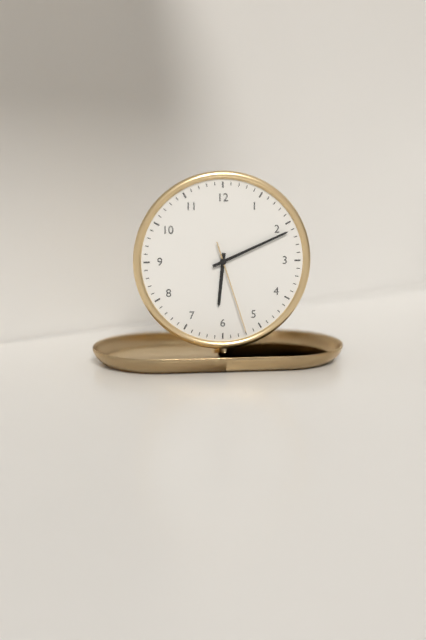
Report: 6 h 11 min 27 s
